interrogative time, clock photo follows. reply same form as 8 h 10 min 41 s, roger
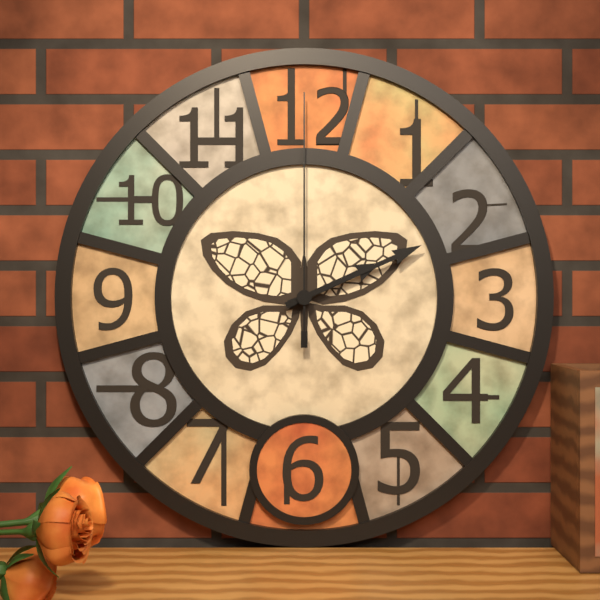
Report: 2 h 11 min 00 s
